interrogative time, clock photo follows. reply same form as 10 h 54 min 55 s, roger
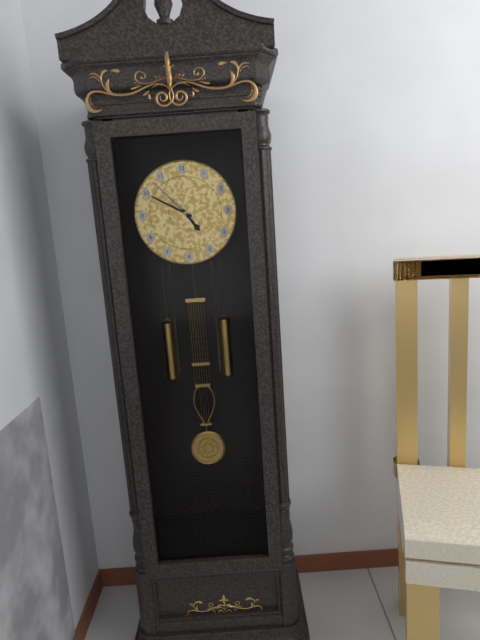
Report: 4 h 50 min 53 s
